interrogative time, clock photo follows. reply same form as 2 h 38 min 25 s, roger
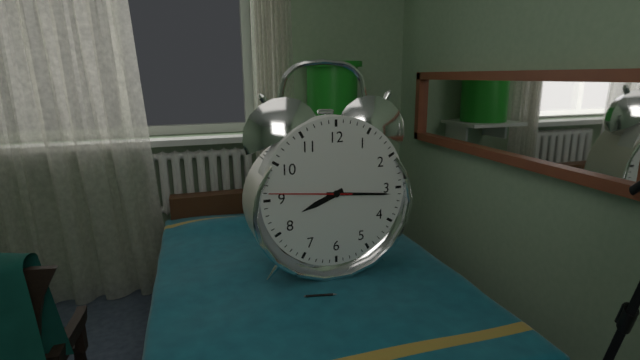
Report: 8 h 16 min 46 s
